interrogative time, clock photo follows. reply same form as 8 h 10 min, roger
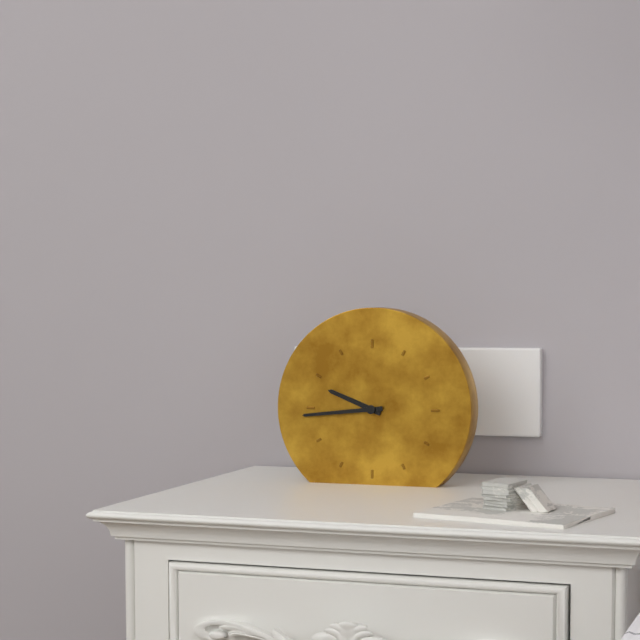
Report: 9 h 44 min
